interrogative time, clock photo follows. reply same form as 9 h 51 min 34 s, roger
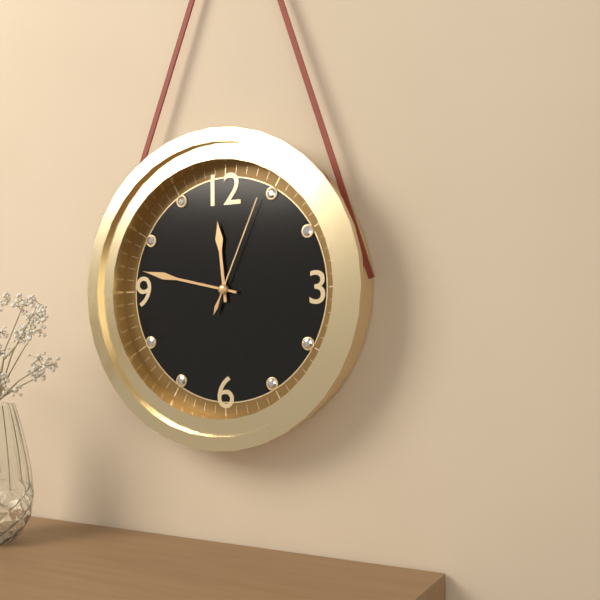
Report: 11 h 47 min 04 s
